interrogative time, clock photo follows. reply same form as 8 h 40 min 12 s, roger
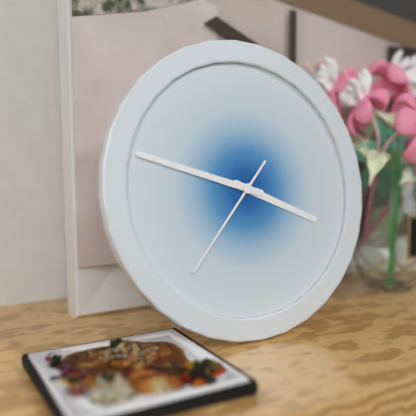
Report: 3 h 48 min 37 s
